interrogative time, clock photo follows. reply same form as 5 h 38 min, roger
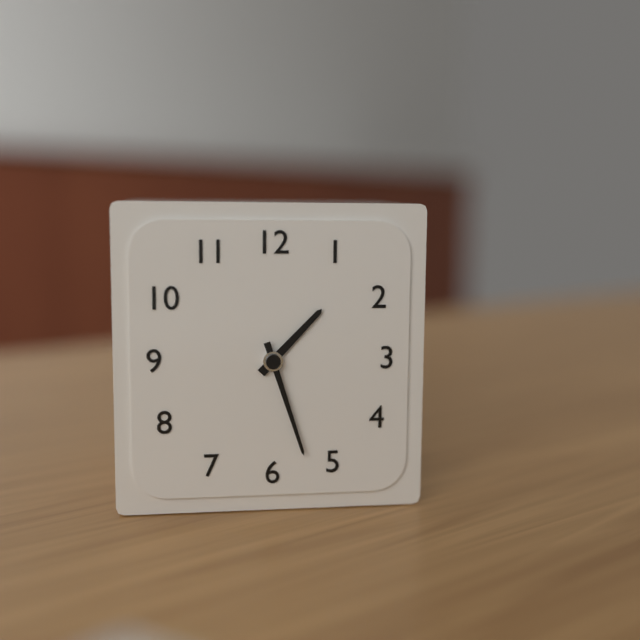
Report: 1 h 27 min
